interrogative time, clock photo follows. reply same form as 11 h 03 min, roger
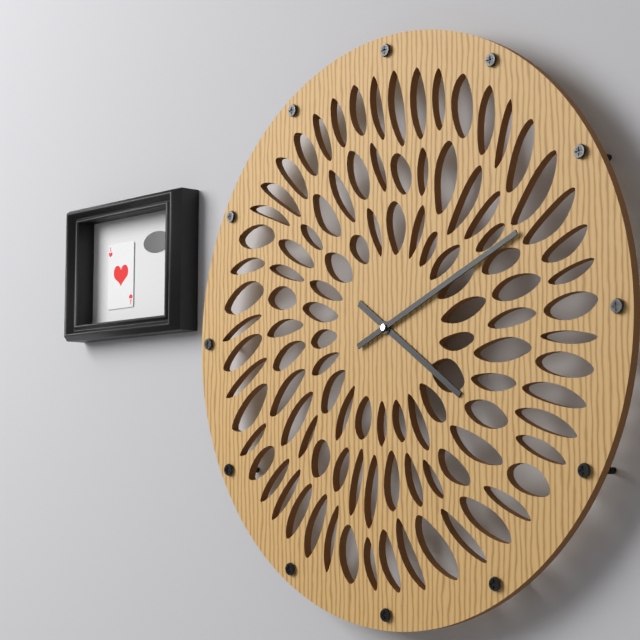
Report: 4 h 11 min
